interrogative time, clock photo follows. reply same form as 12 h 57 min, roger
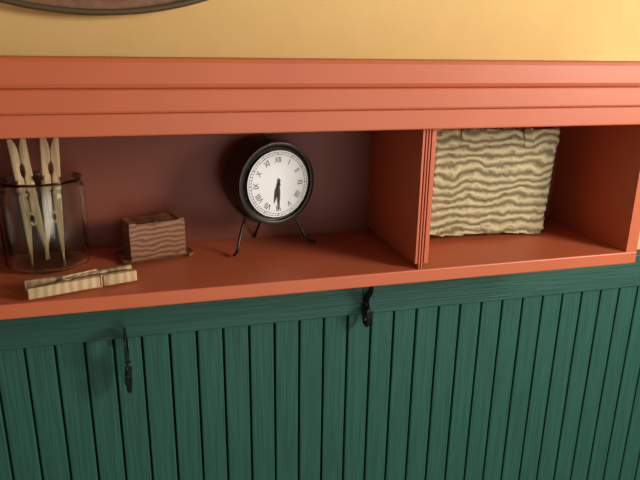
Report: 6 h 30 min
